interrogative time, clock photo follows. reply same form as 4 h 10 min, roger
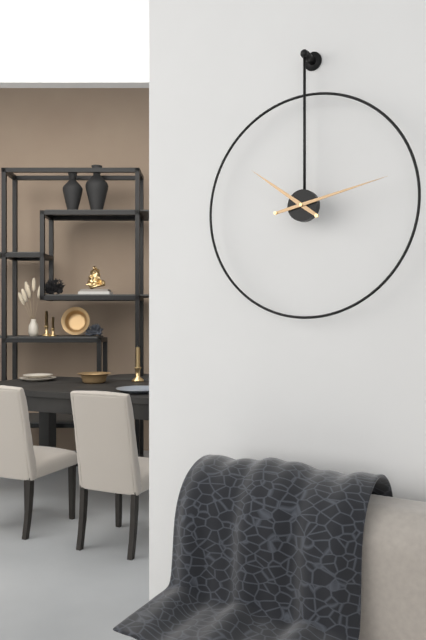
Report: 10 h 13 min
